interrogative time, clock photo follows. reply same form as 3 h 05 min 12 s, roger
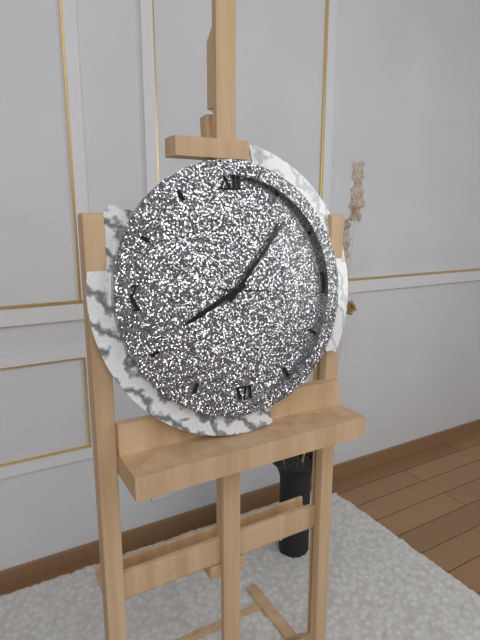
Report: 8 h 07 min 16 s
